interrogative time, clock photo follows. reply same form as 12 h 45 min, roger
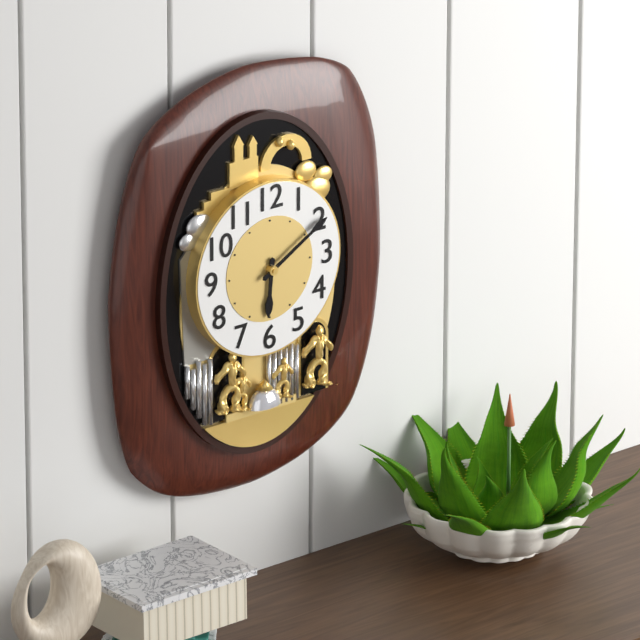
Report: 6 h 10 min
